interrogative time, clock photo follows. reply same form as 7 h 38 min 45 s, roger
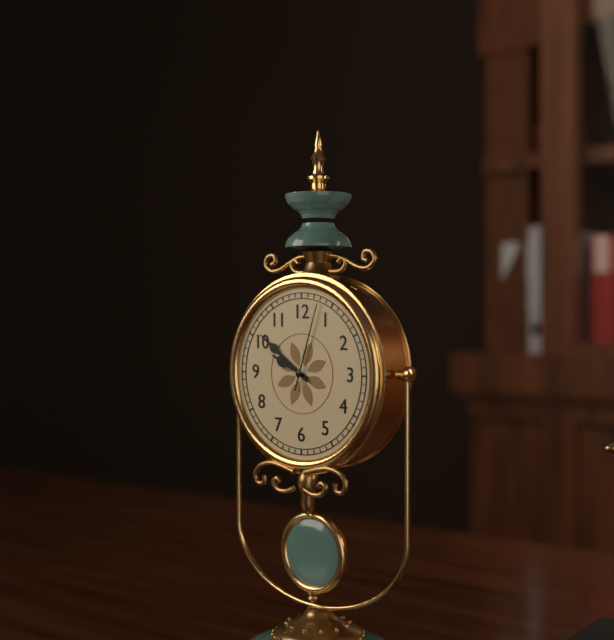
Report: 9 h 51 min 03 s
